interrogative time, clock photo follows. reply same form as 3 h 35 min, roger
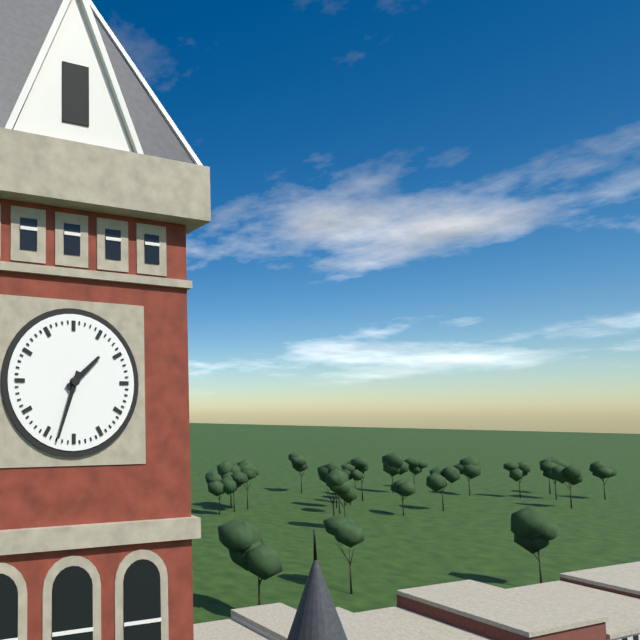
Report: 1 h 33 min
